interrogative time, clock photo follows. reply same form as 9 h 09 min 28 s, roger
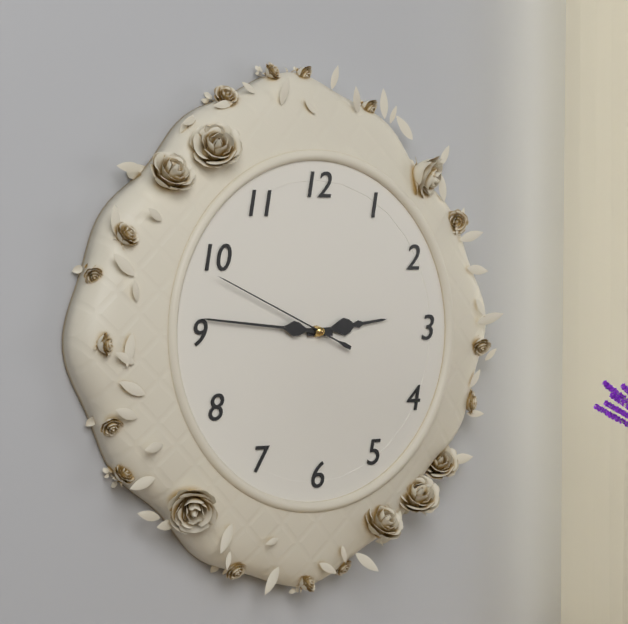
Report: 2 h 46 min 49 s
